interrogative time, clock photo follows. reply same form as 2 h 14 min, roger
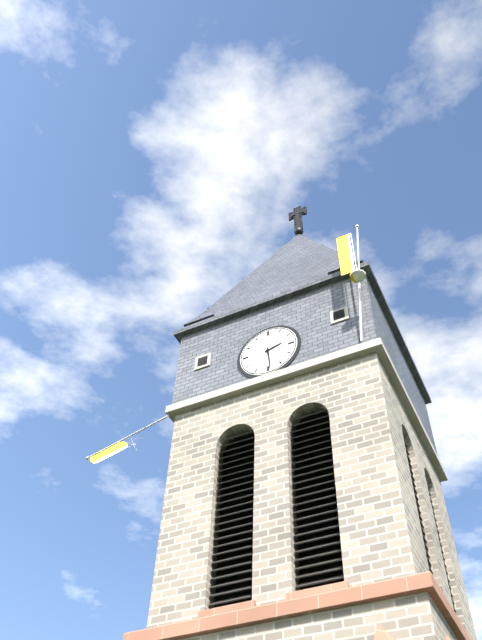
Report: 2 h 29 min
